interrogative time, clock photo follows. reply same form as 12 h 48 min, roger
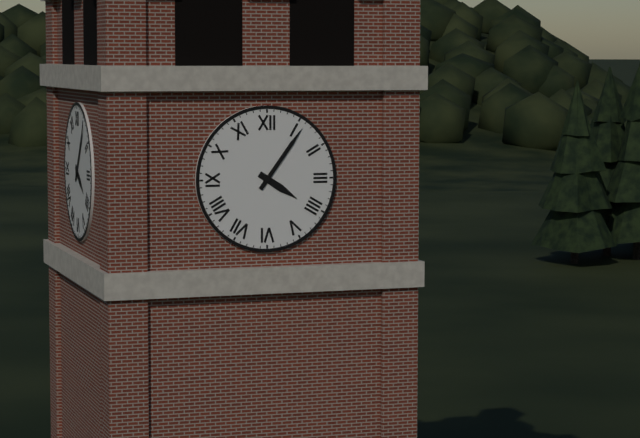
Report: 4 h 06 min
